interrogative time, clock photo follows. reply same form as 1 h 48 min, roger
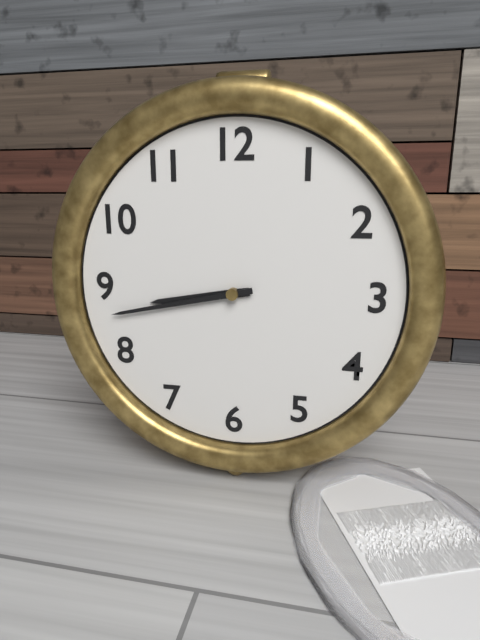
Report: 8 h 43 min
